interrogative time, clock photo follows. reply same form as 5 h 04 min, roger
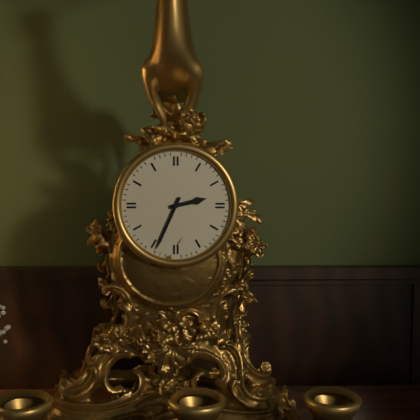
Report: 2 h 34 min
